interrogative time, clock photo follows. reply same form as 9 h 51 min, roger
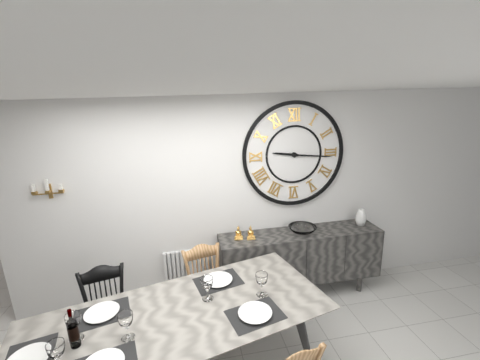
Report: 9 h 16 min
